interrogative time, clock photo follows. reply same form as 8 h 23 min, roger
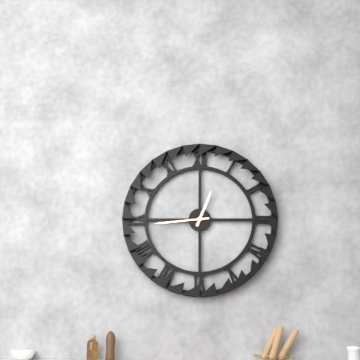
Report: 12 h 44 min
